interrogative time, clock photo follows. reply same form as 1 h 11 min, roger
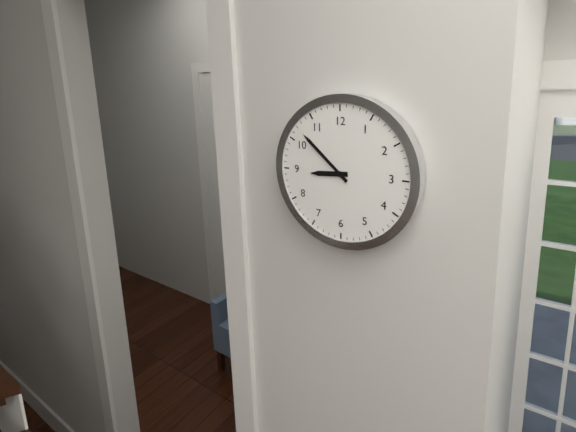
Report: 8 h 52 min
